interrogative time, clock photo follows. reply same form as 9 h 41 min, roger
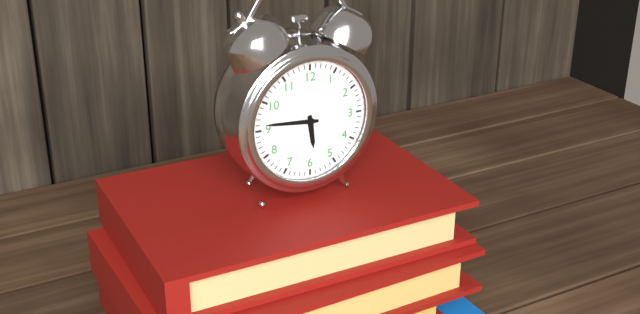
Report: 5 h 46 min
